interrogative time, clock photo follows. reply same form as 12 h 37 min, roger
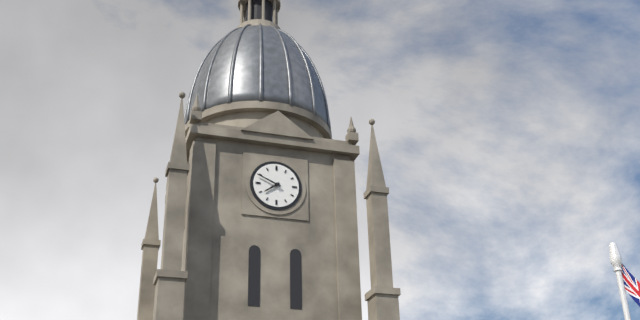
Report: 7 h 49 min
